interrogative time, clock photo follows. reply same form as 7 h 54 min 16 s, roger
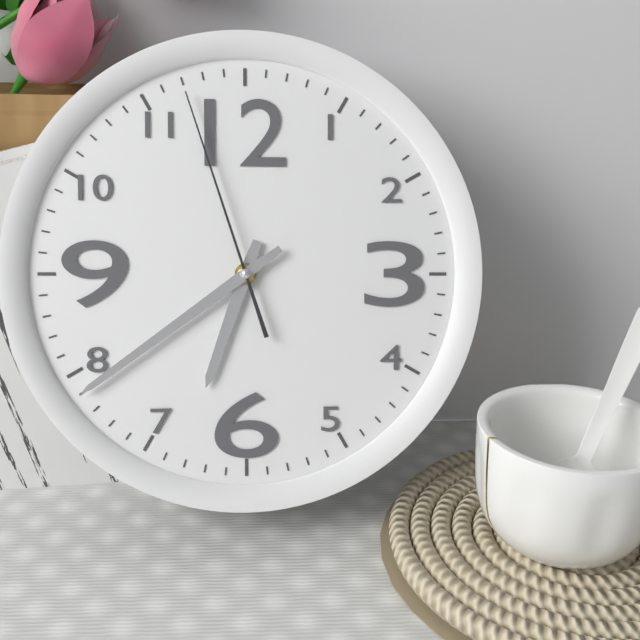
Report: 6 h 39 min 57 s
